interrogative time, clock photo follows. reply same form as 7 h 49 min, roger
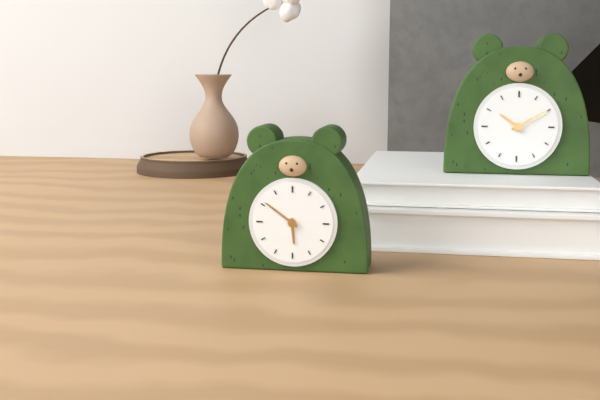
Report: 5 h 51 min
